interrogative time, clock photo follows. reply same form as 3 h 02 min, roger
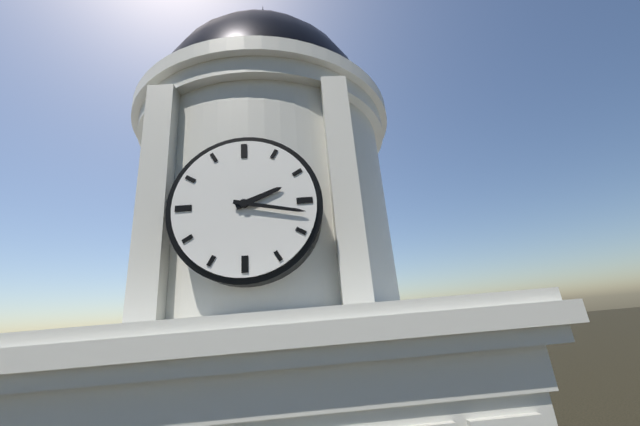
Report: 2 h 17 min
